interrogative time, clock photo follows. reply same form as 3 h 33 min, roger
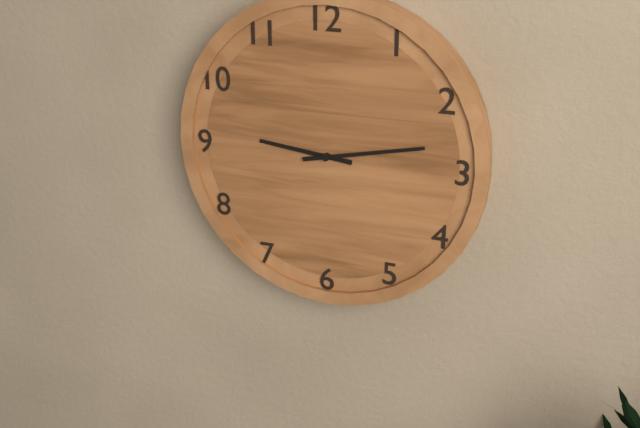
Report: 9 h 13 min
